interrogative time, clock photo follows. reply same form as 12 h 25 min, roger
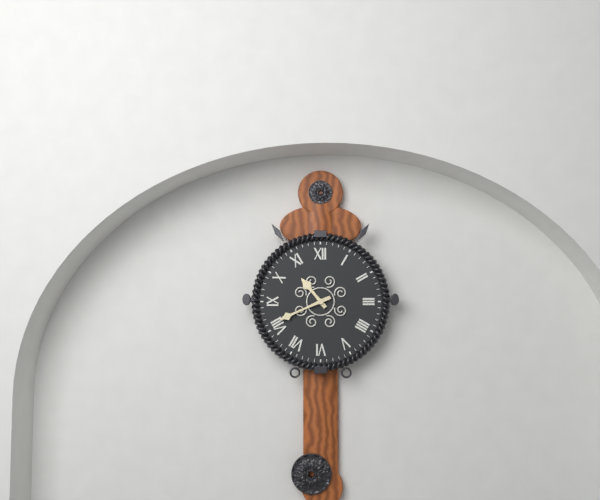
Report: 10 h 41 min
